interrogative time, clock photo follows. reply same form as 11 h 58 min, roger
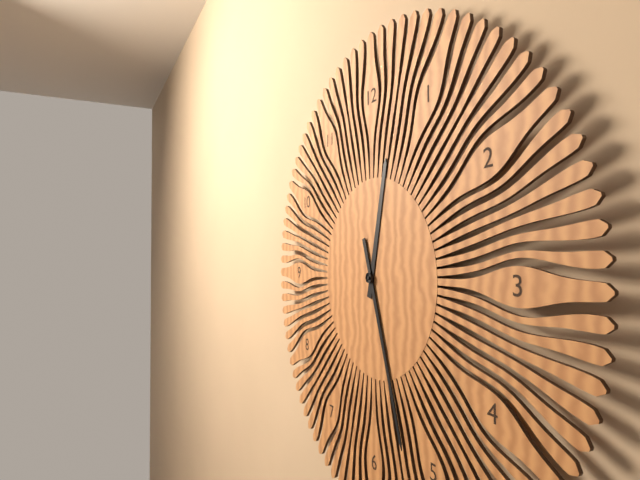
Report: 12 h 27 min
